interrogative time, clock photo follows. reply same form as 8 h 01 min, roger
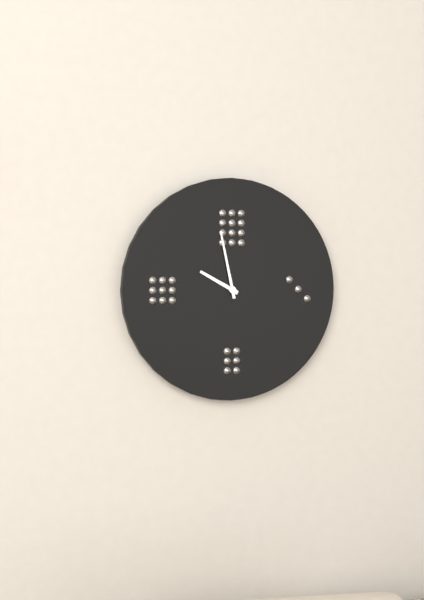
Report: 9 h 58 min
